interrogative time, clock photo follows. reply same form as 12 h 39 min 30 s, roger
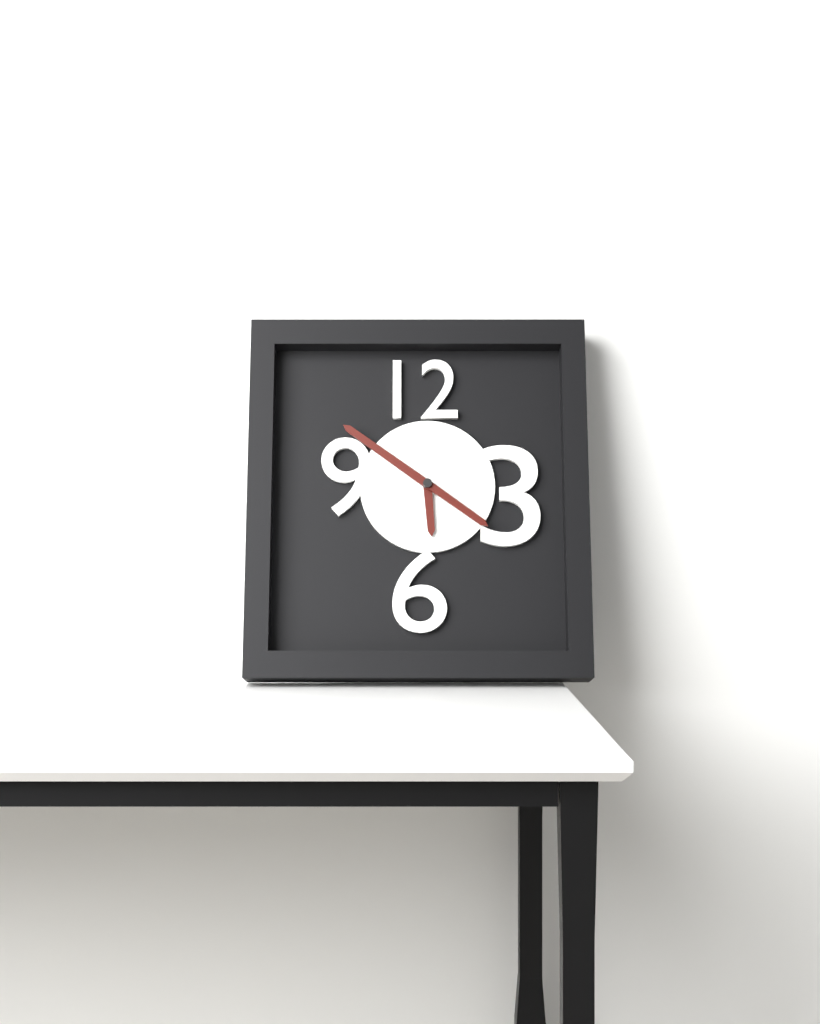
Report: 5 h 51 min 21 s
